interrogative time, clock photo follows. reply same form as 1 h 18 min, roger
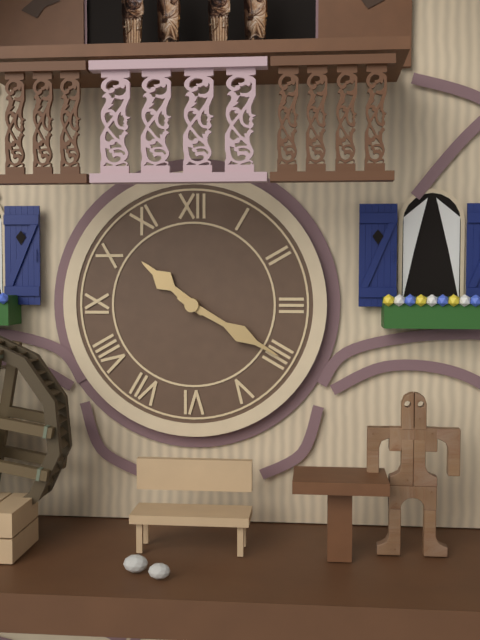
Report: 10 h 20 min
